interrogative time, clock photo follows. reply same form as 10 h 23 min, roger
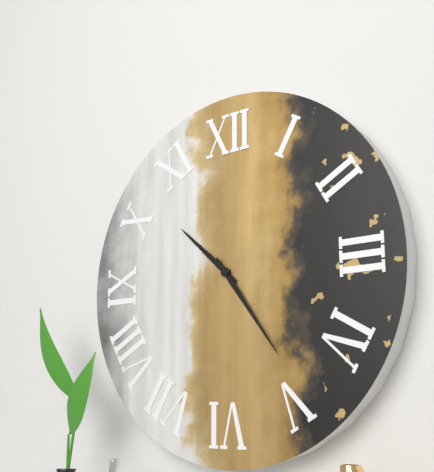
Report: 10 h 24 min
